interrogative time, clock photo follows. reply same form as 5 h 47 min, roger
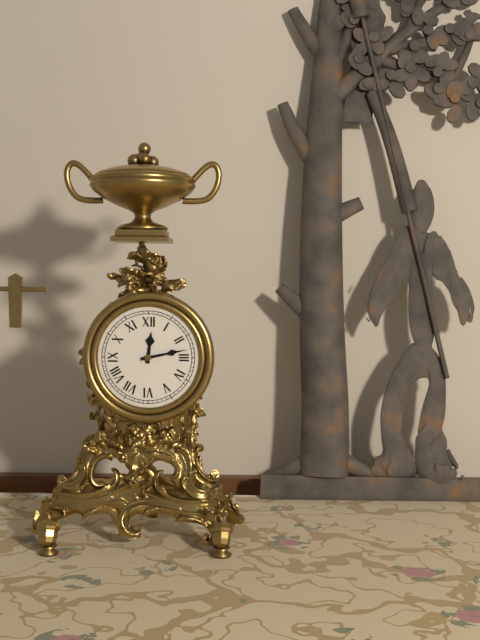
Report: 12 h 13 min
